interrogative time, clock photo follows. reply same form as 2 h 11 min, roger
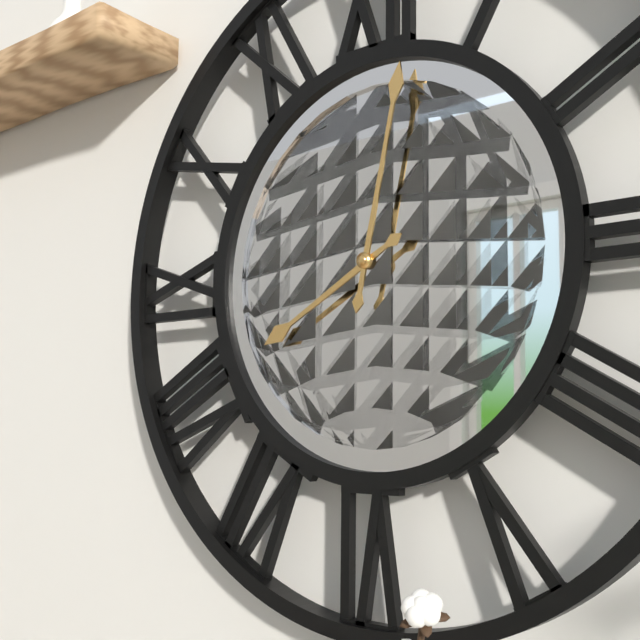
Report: 8 h 02 min
